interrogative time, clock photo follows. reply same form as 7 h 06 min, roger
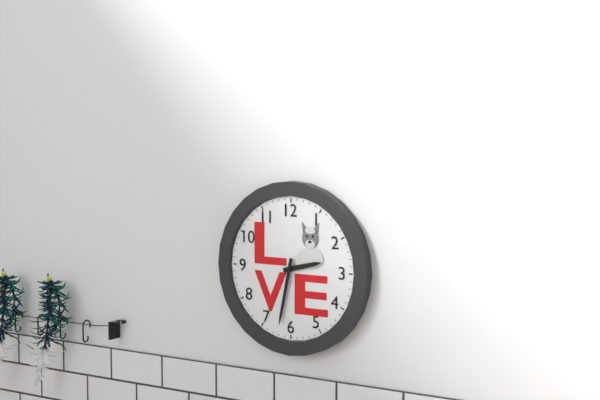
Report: 2 h 32 min
